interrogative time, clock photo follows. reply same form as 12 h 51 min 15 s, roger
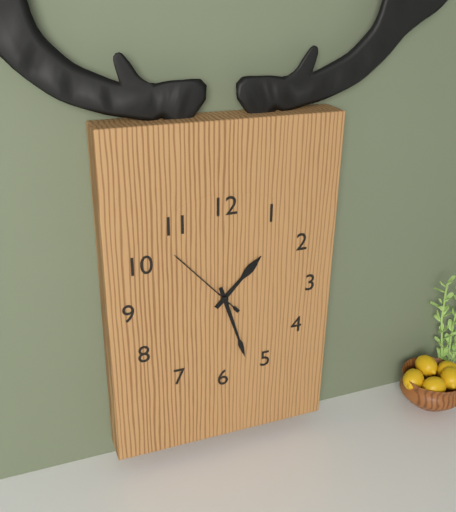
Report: 1 h 27 min 53 s
